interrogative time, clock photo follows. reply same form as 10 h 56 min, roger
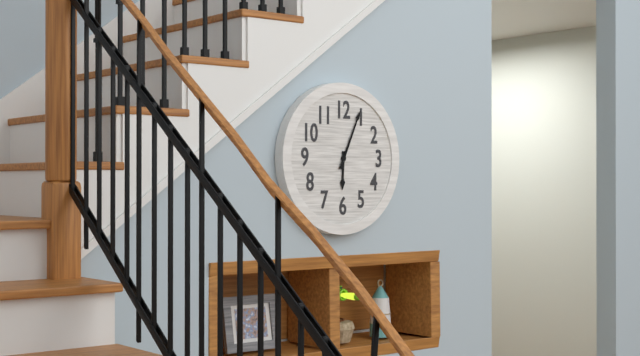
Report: 6 h 04 min
